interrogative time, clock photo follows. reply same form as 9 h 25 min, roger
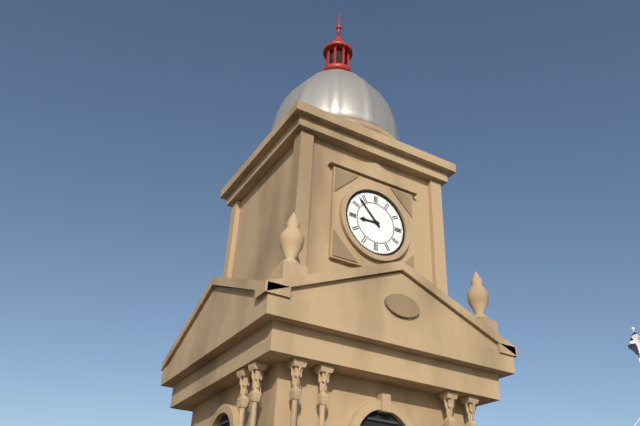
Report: 8 h 53 min
